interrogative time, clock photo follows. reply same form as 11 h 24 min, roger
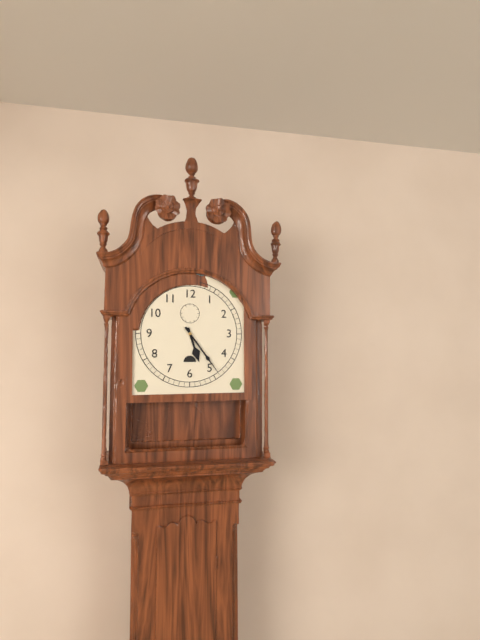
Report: 5 h 24 min
